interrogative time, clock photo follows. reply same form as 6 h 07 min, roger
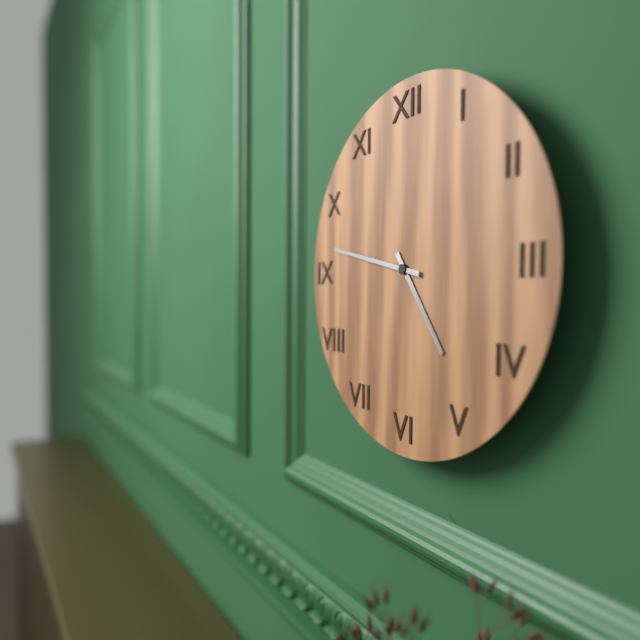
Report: 4 h 47 min
